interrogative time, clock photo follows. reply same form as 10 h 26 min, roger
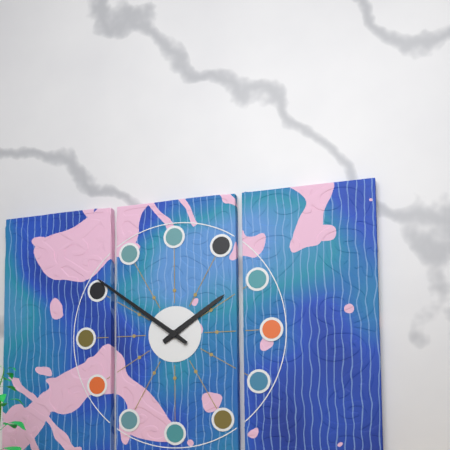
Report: 1 h 51 min
